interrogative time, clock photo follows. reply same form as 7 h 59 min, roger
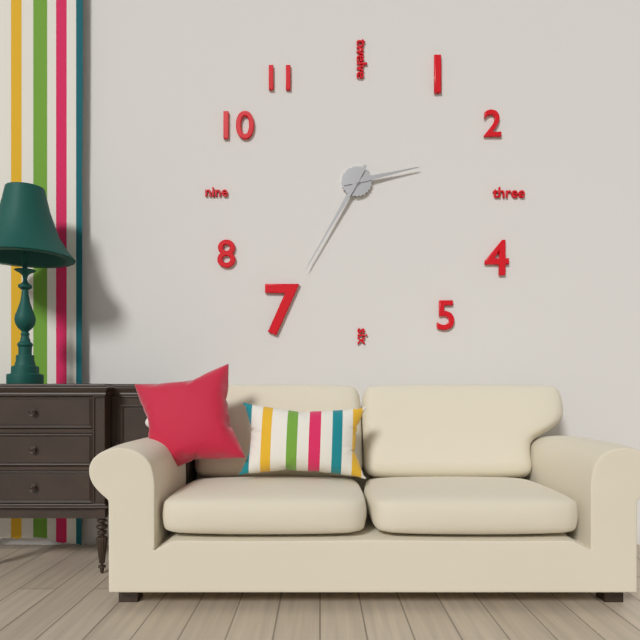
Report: 2 h 35 min
